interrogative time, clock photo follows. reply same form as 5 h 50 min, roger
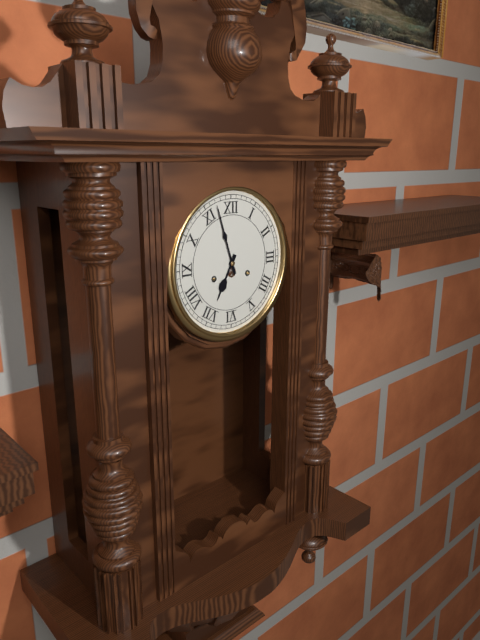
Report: 6 h 57 min
